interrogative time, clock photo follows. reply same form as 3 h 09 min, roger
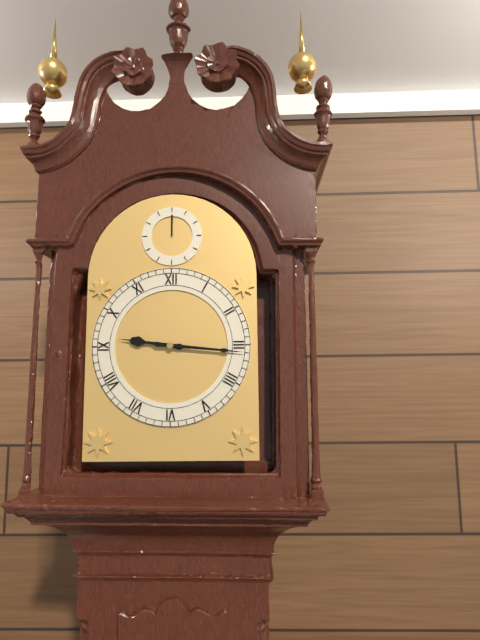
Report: 9 h 16 min
